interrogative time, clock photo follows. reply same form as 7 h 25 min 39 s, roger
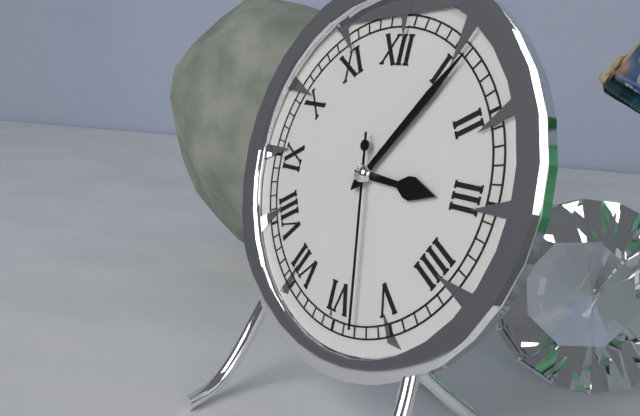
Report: 3 h 06 min 28 s
